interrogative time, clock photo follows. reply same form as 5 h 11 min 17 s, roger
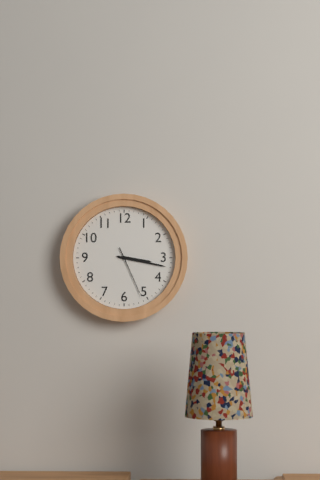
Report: 3 h 17 min 26 s
